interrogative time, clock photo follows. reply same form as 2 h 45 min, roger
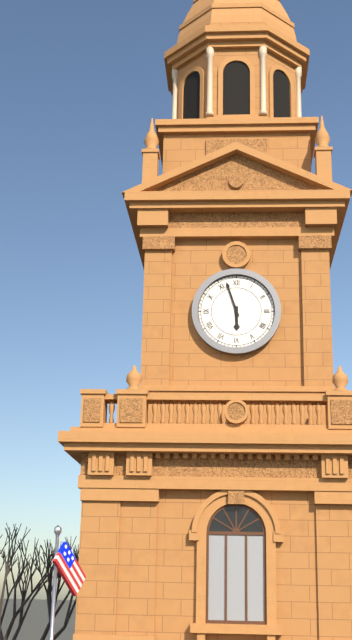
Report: 5 h 57 min
